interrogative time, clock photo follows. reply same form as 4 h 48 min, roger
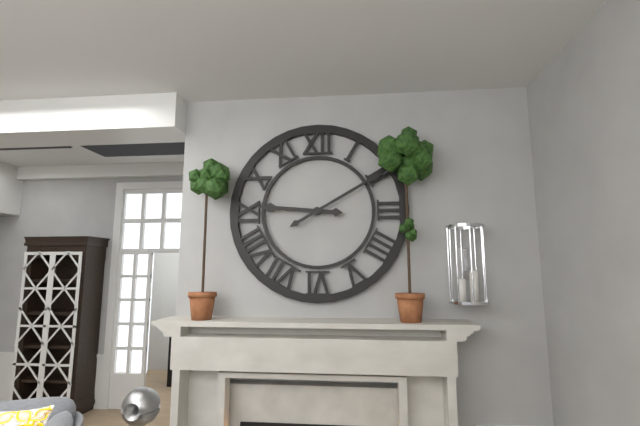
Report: 9 h 10 min
